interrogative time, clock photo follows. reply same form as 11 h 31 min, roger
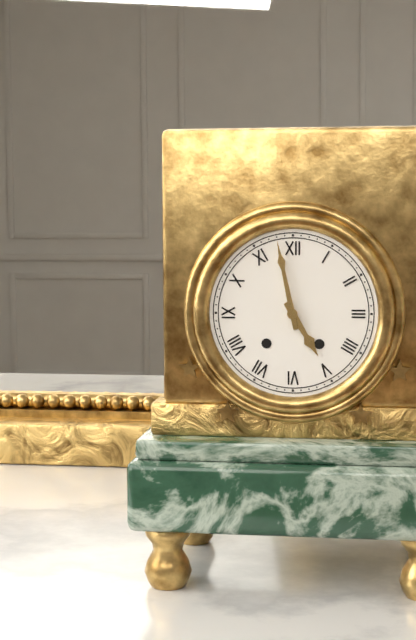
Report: 4 h 58 min
